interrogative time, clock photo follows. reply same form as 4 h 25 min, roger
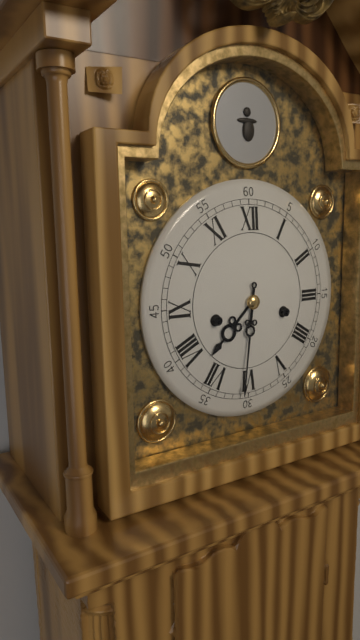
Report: 7 h 31 min
